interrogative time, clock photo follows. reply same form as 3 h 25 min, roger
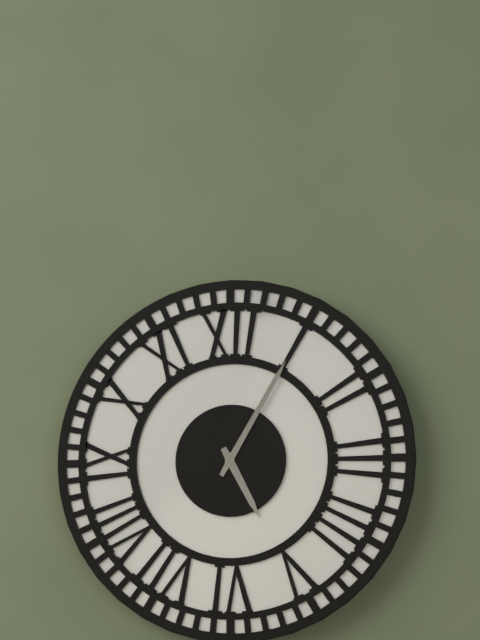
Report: 5 h 05 min
